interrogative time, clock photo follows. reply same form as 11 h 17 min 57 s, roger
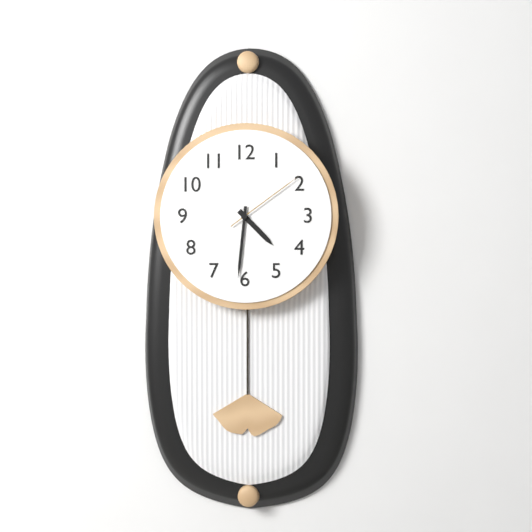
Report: 4 h 31 min 09 s
